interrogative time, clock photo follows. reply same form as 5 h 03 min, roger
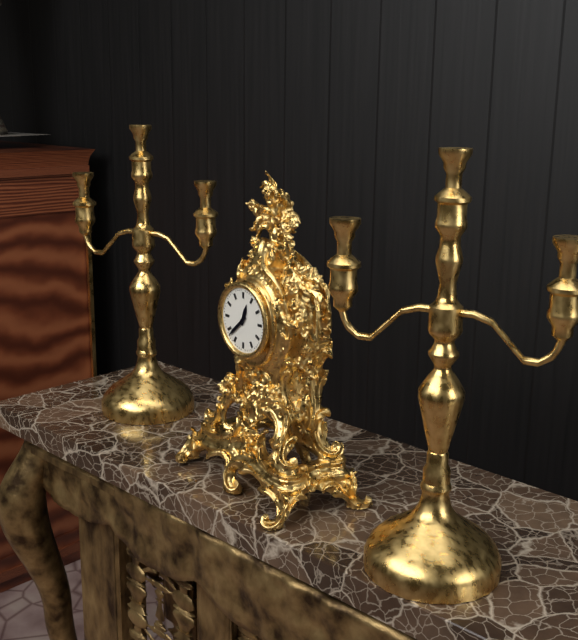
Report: 12 h 38 min
